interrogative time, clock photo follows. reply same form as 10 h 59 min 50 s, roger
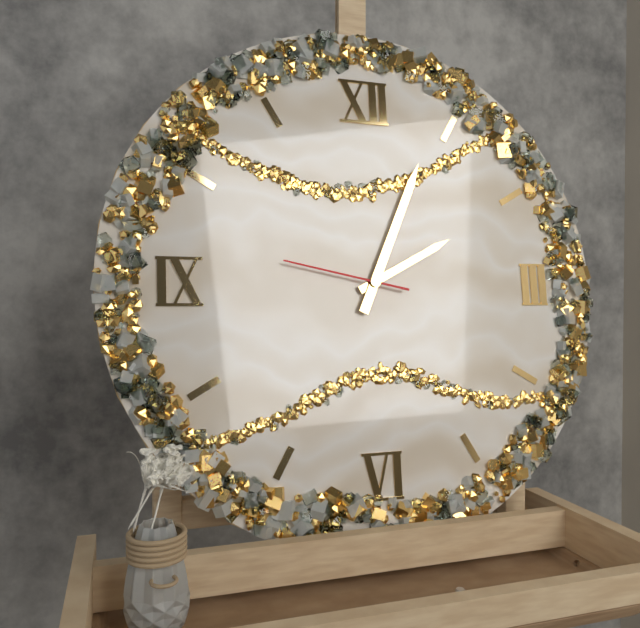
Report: 2 h 04 min 47 s
